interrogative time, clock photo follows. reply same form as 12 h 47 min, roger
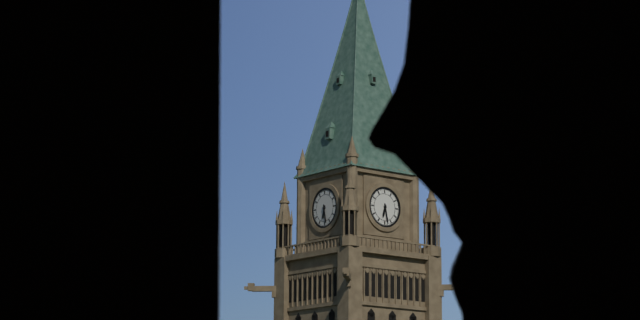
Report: 6 h 28 min
